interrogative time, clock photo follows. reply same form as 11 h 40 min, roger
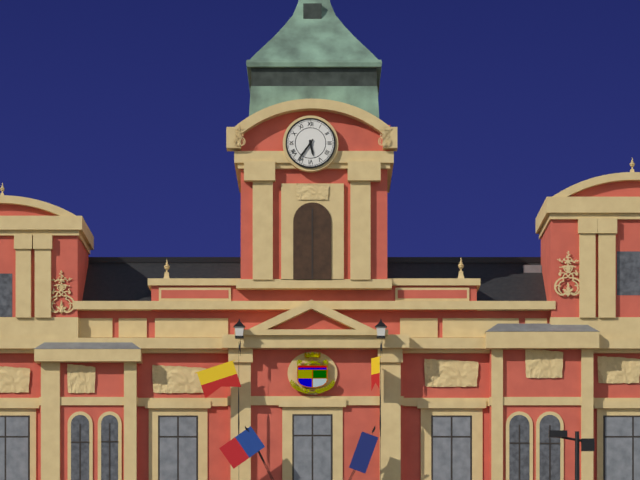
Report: 5 h 36 min
